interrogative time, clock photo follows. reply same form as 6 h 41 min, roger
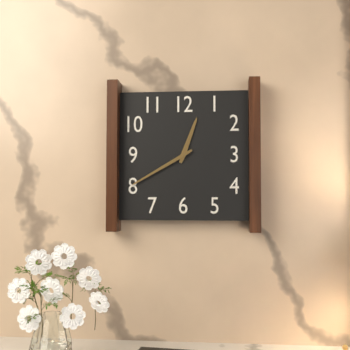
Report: 12 h 40 min
